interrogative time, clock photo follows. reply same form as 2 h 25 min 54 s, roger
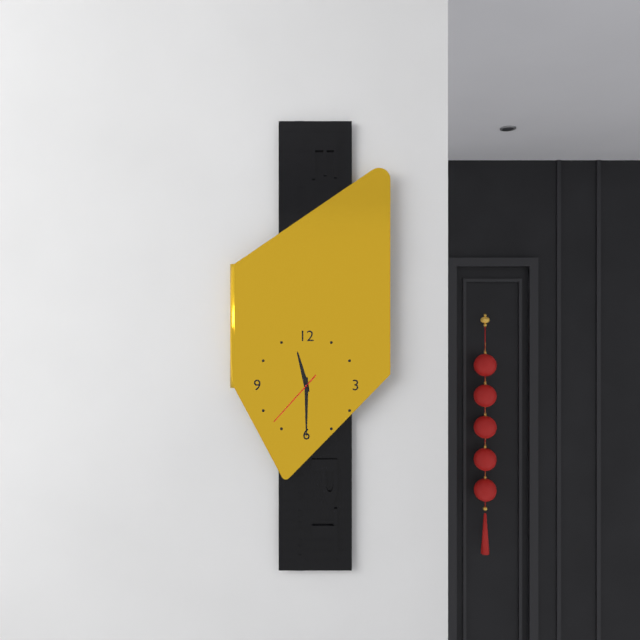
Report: 11 h 30 min 37 s
